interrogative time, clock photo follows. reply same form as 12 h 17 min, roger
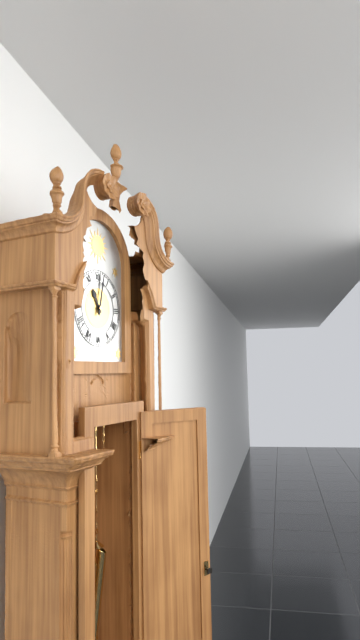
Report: 11 h 02 min
